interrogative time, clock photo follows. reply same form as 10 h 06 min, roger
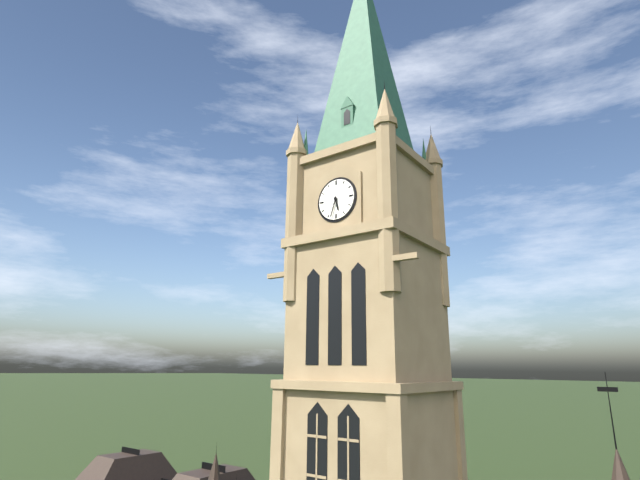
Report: 5 h 33 min
